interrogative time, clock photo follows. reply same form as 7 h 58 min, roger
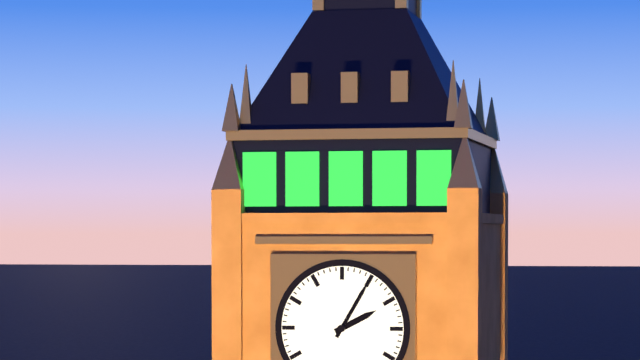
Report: 2 h 05 min
